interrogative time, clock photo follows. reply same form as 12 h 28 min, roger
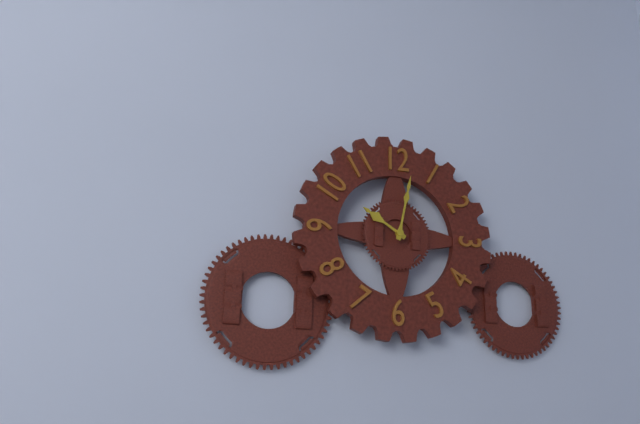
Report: 10 h 02 min
